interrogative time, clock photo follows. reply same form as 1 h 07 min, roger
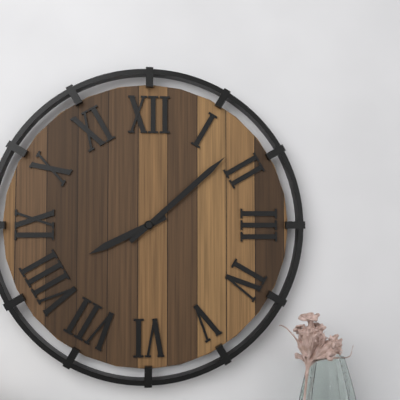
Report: 8 h 08 min
